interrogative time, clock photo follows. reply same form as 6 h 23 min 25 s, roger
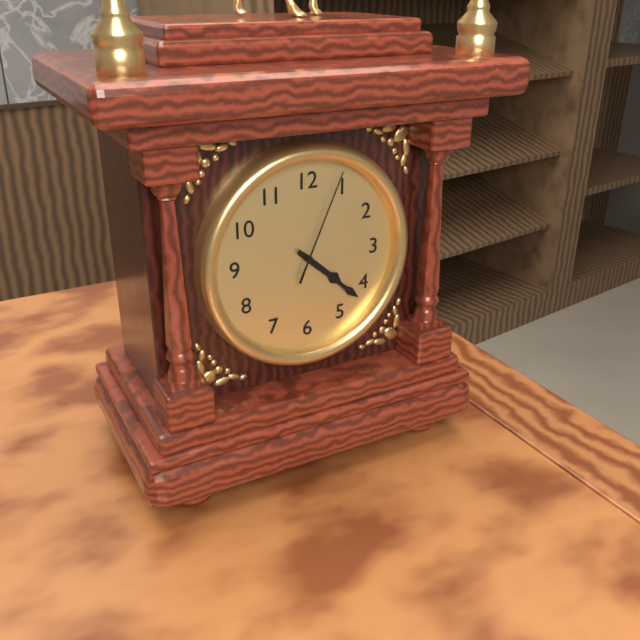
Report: 4 h 22 min 04 s
